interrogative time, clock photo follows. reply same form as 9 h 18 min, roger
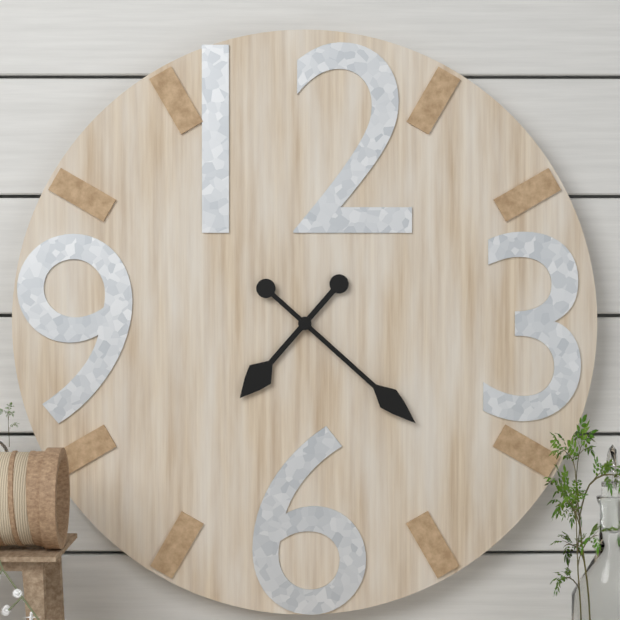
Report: 7 h 22 min
